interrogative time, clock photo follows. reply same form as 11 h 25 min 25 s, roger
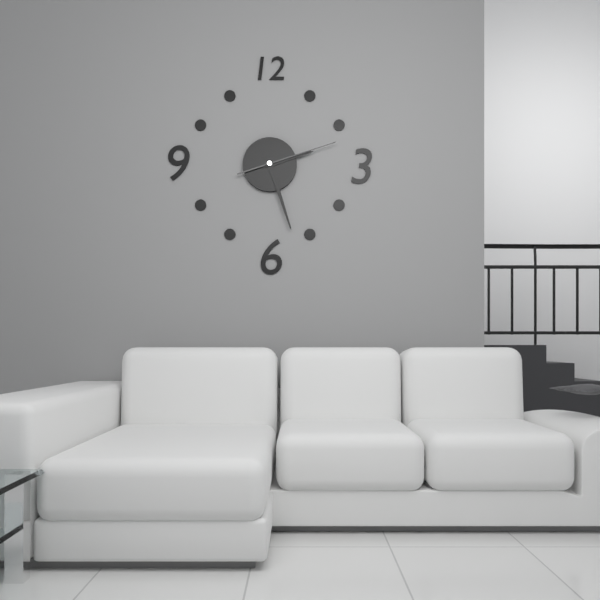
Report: 2 h 27 min 12 s
